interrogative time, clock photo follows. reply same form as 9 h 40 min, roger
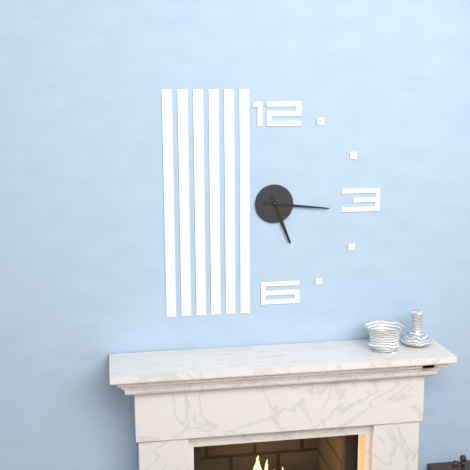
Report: 5 h 16 min
